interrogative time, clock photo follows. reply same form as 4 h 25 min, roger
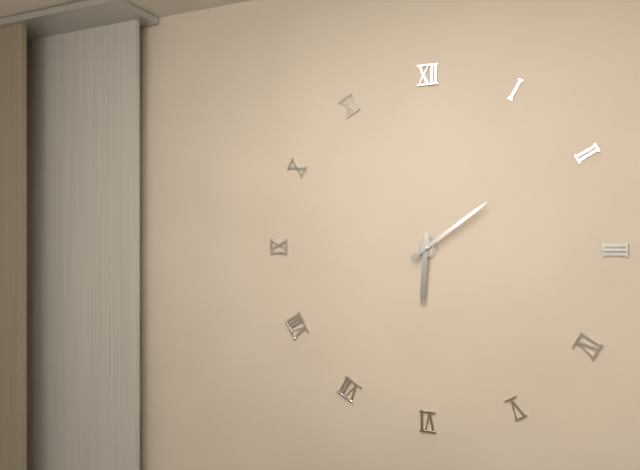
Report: 6 h 09 min
